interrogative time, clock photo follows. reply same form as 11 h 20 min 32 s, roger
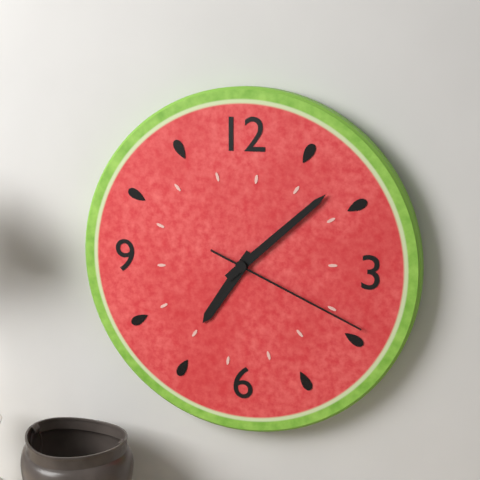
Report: 7 h 08 min 19 s
